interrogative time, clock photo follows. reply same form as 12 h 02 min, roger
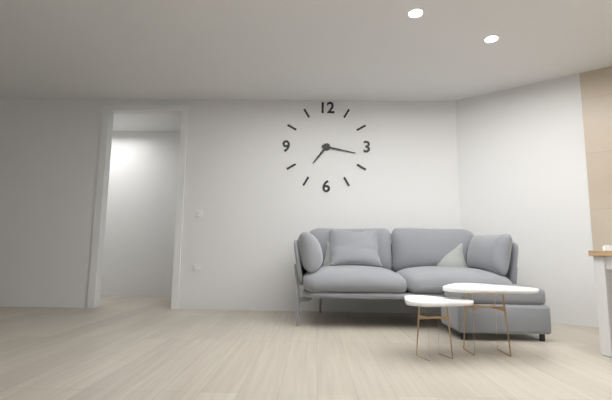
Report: 7 h 17 min
